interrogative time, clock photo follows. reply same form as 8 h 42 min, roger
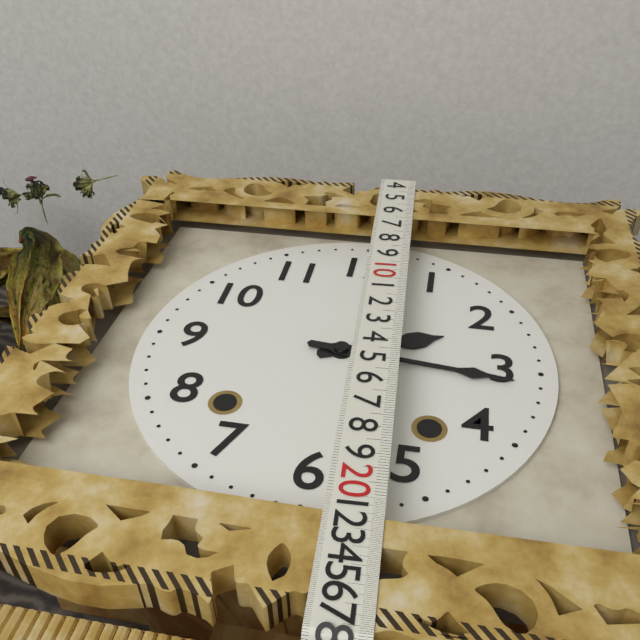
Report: 2 h 16 min
